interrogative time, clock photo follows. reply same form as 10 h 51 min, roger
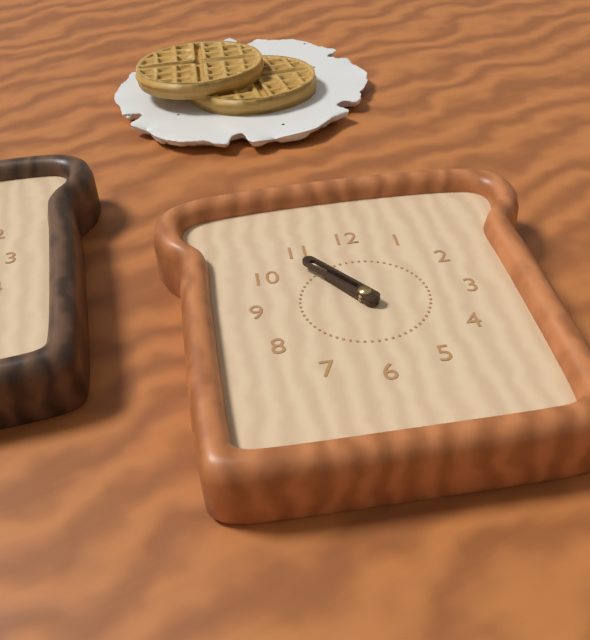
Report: 10 h 54 min
